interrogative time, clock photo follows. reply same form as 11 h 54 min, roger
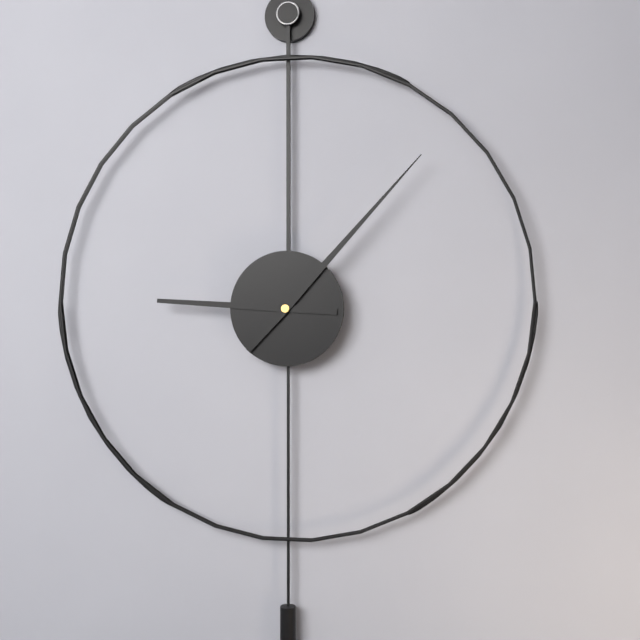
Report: 9 h 07 min
